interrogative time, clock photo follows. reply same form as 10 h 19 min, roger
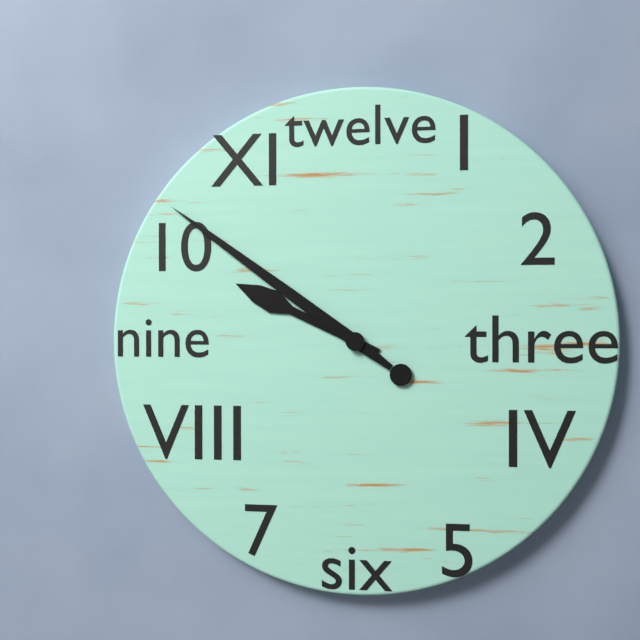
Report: 9 h 51 min
